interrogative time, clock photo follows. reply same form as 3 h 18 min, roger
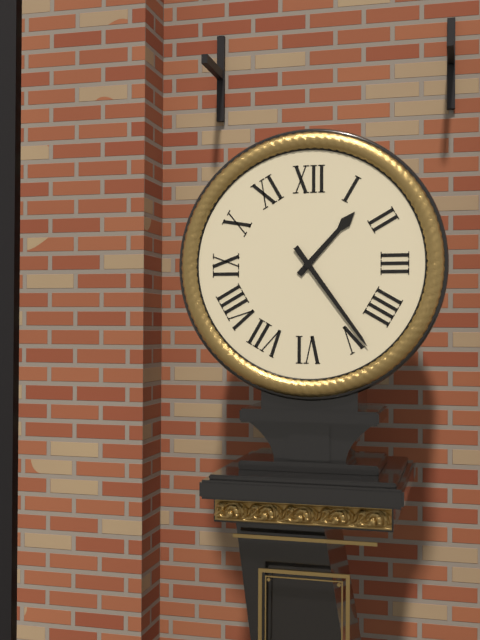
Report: 1 h 24 min
